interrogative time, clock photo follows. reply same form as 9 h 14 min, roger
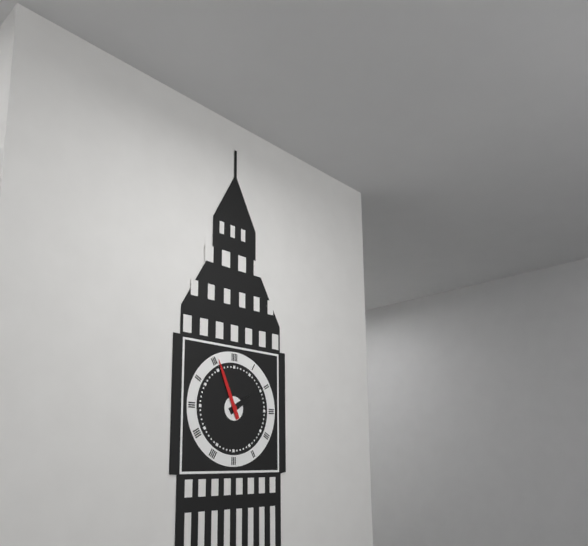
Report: 1 h 56 min
